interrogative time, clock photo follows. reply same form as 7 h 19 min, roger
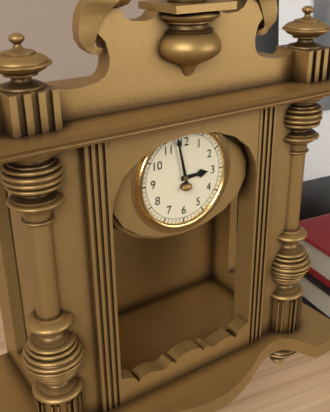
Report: 2 h 58 min
